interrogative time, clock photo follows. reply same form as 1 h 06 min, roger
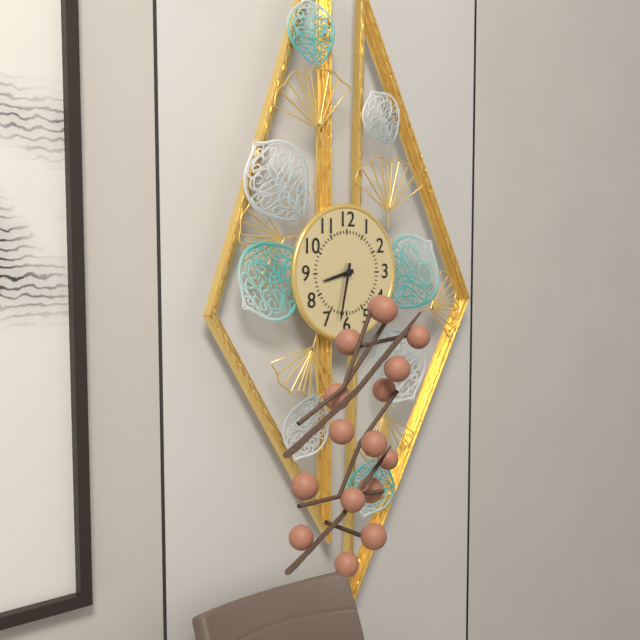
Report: 8 h 32 min
